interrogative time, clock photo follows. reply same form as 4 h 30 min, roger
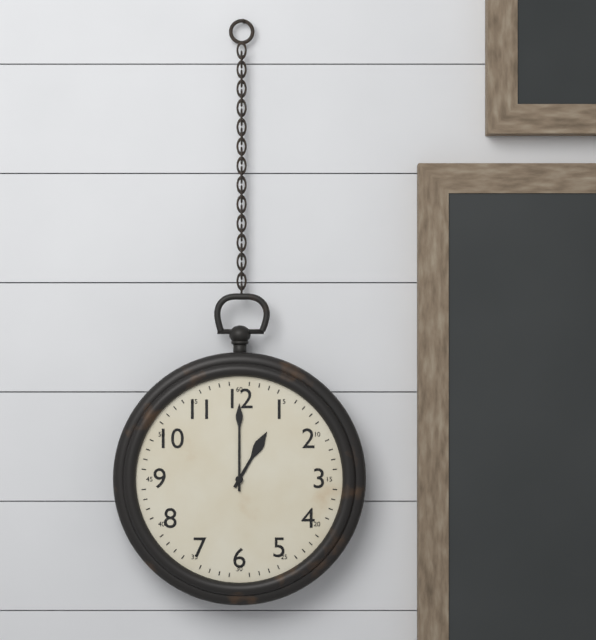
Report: 1 h 00 min
